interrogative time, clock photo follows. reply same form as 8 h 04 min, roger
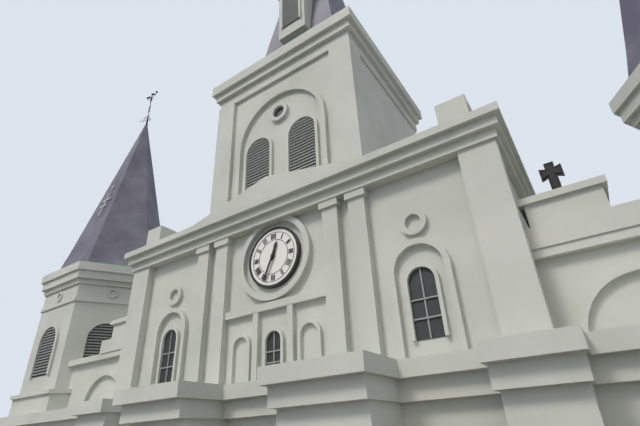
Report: 12 h 34 min
